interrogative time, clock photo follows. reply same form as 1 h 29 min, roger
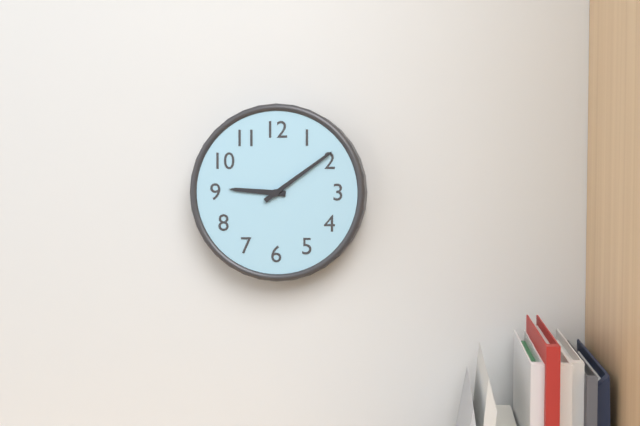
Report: 9 h 09 min
